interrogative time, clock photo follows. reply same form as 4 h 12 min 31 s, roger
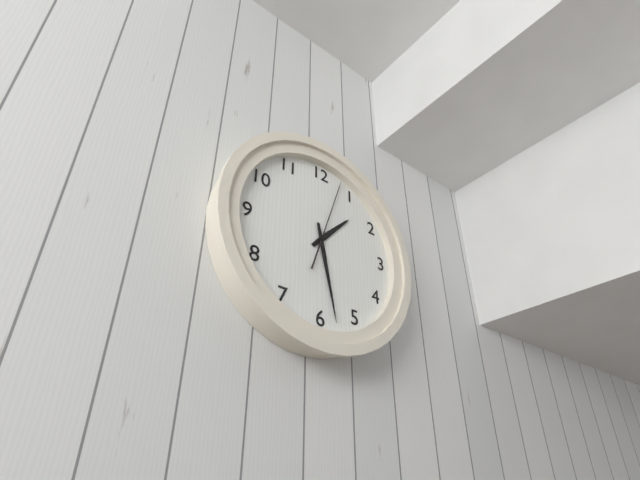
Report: 1 h 28 min 03 s
